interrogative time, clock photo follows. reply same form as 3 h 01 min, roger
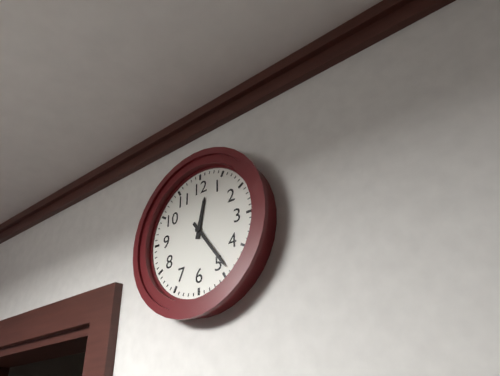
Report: 12 h 24 min
